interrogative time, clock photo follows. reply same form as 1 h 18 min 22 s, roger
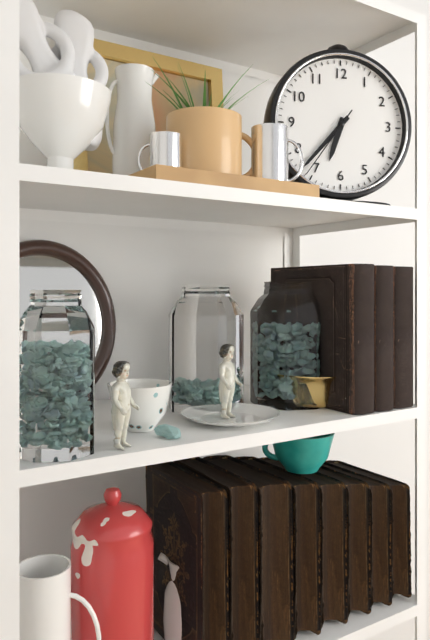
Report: 6 h 37 min 36 s
